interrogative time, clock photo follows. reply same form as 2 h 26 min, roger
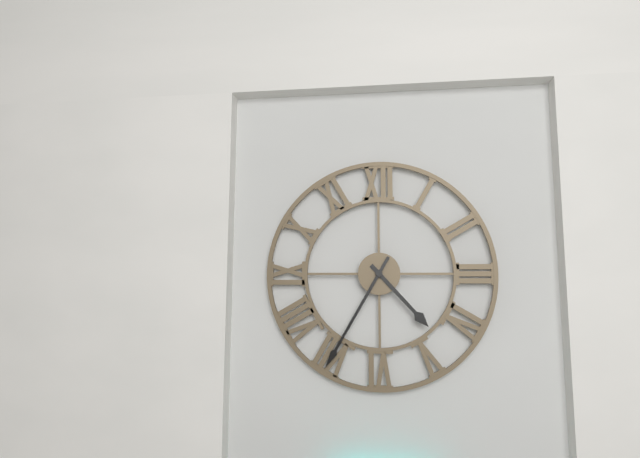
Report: 4 h 35 min
